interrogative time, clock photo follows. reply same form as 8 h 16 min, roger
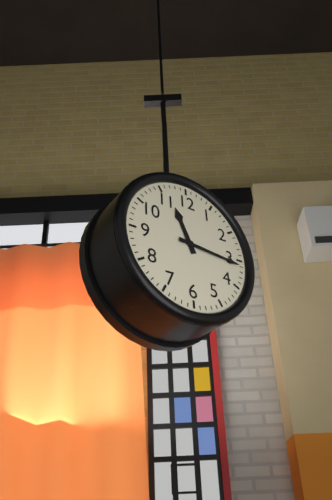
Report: 11 h 16 min
